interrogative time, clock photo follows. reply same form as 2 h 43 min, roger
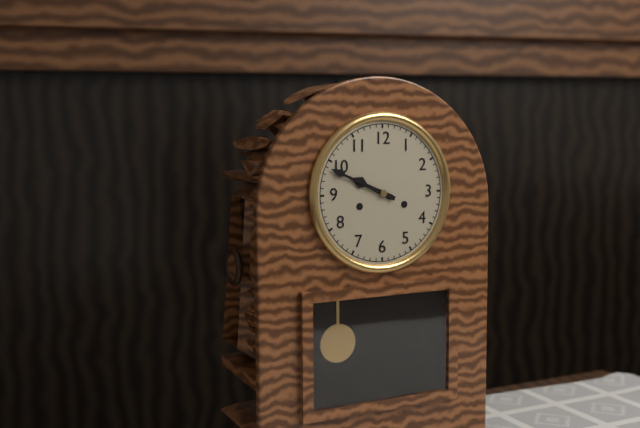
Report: 9 h 49 min
